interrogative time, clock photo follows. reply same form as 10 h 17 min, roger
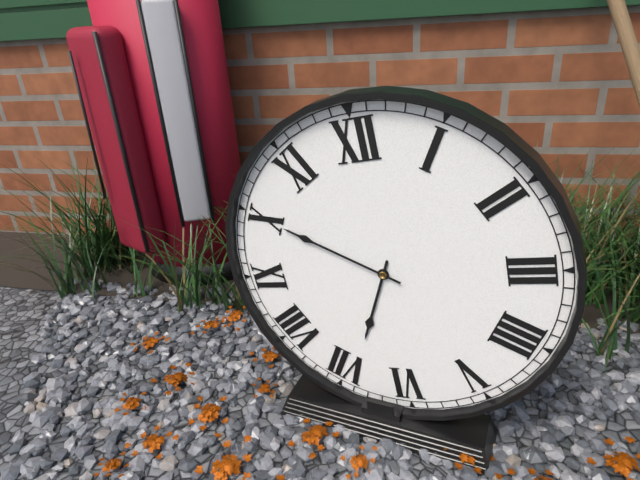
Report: 6 h 50 min
